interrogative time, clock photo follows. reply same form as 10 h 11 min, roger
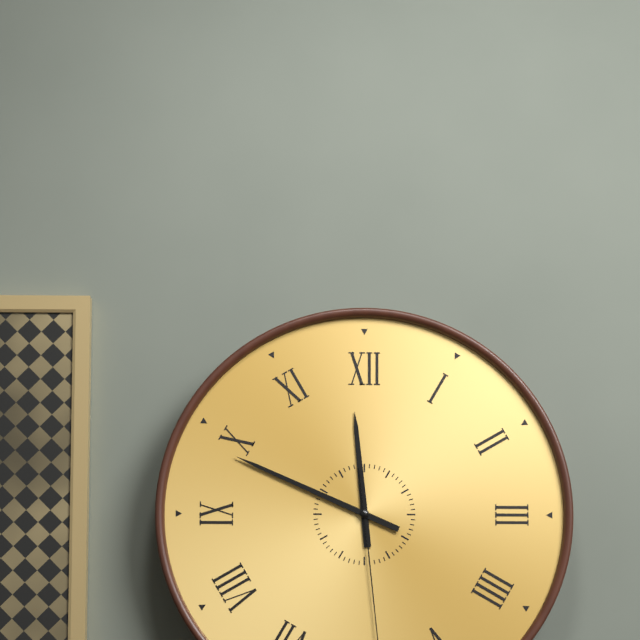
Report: 11 h 49 min
